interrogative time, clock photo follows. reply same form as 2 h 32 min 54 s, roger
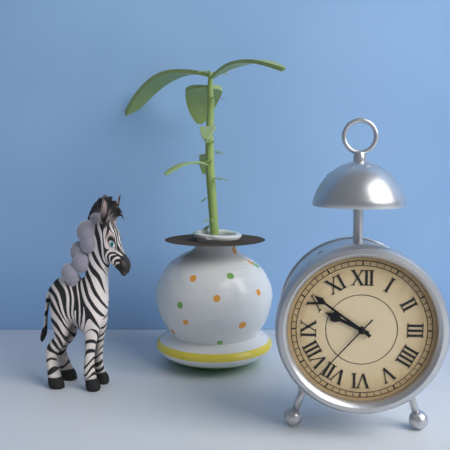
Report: 9 h 51 min 37 s
